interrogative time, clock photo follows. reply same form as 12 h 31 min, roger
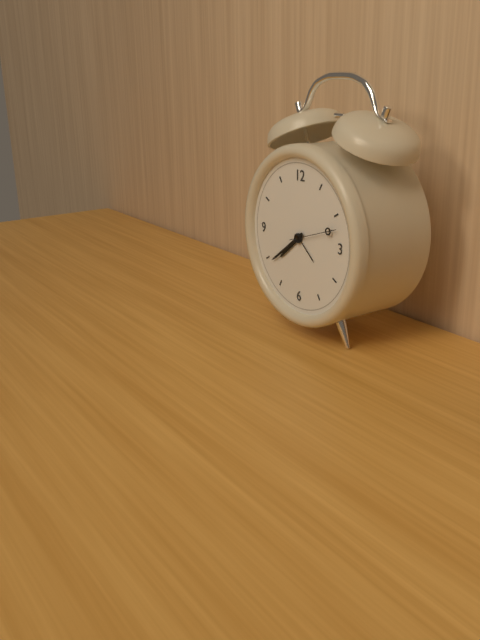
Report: 7 h 39 min
